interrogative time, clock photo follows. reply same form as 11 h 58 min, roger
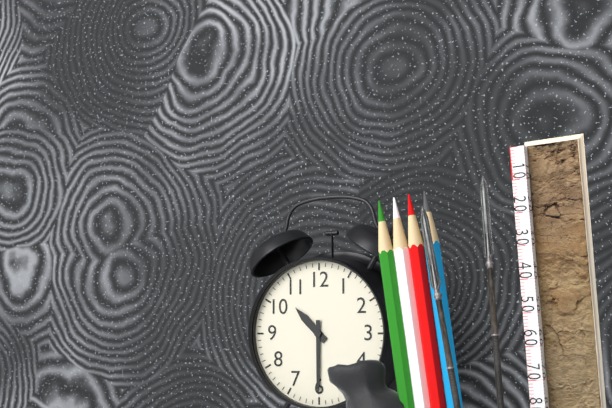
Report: 10 h 30 min
